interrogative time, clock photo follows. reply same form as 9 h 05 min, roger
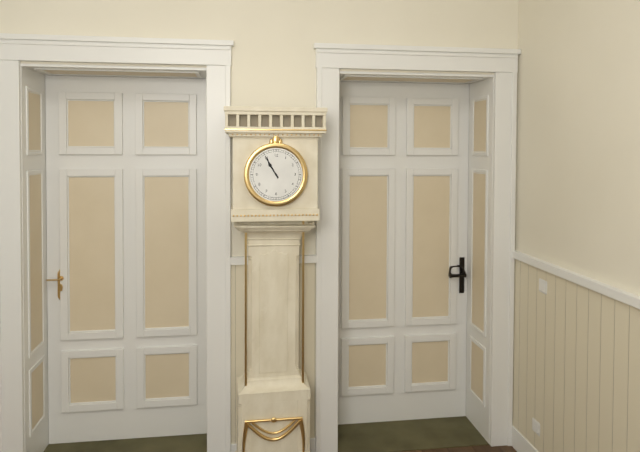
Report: 10 h 55 min
